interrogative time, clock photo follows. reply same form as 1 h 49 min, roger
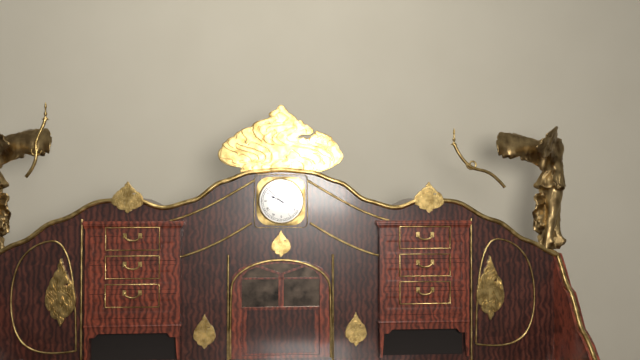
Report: 9 h 52 min
